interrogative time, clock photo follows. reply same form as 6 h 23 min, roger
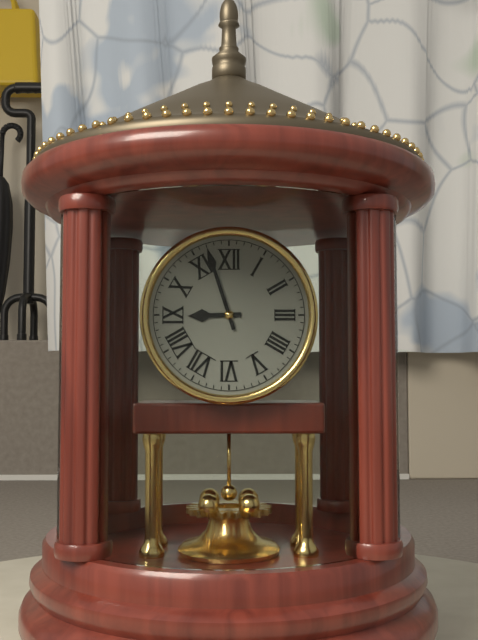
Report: 8 h 57 min
